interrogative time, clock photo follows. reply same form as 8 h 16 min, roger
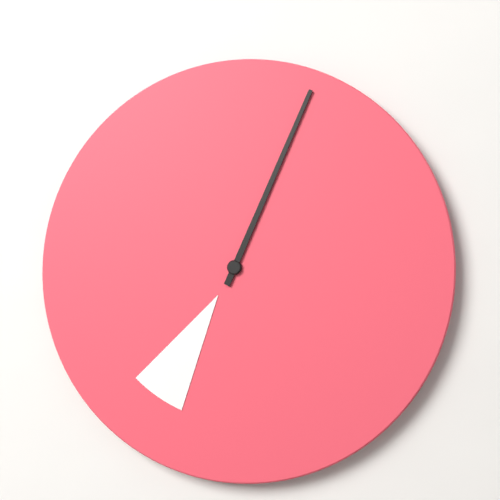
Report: 7 h 04 min
